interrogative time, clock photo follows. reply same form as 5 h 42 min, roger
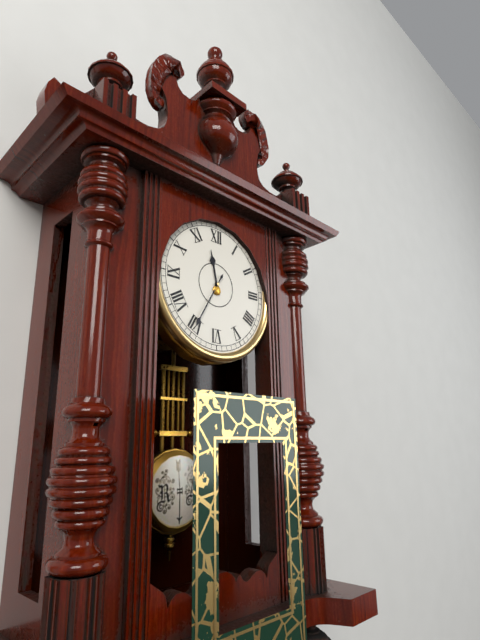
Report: 11 h 35 min
